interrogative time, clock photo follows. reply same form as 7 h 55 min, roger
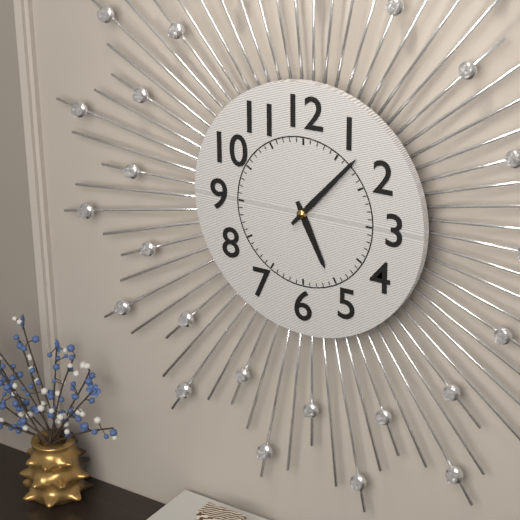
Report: 5 h 07 min
